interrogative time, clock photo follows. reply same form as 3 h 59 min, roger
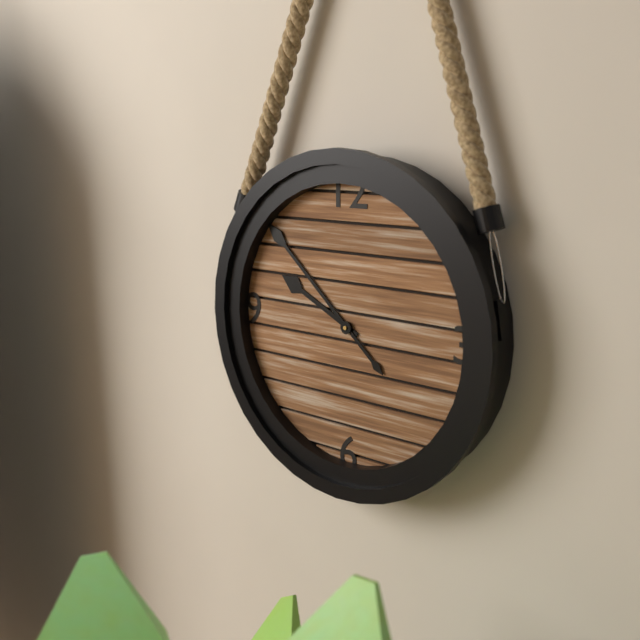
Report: 9 h 52 min
